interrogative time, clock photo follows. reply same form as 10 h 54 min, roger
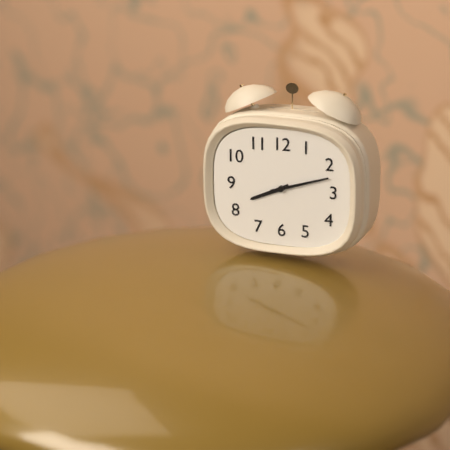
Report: 8 h 12 min
